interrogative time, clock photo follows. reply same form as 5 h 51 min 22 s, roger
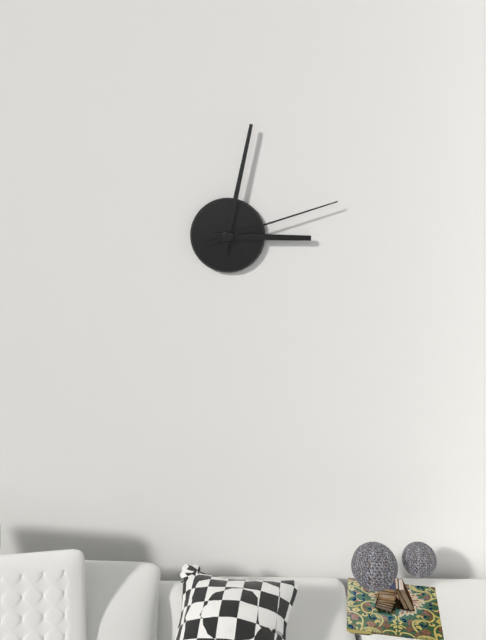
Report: 3 h 02 min 12 s
